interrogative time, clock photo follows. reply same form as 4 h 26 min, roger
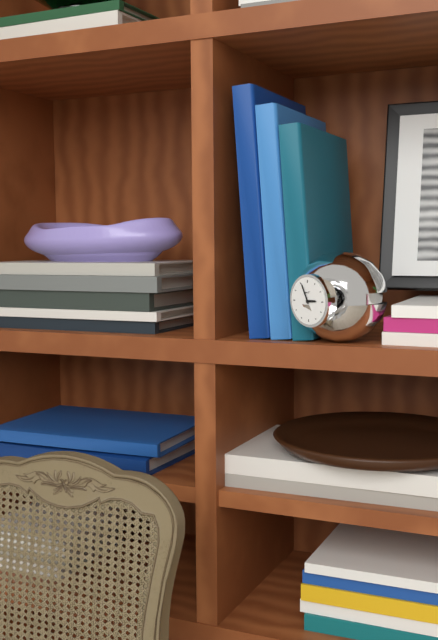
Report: 2 h 56 min
